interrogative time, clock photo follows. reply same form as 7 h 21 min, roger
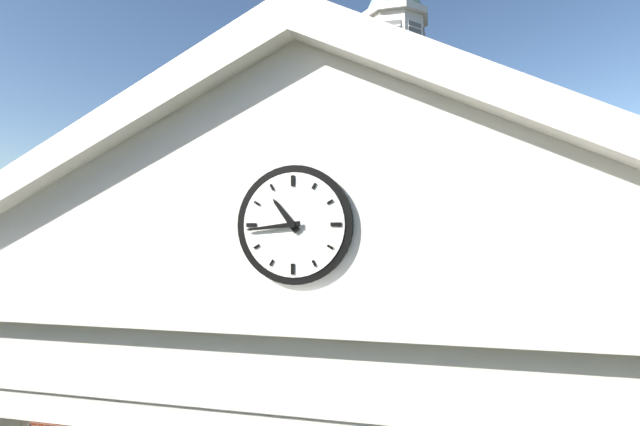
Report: 10 h 44 min
